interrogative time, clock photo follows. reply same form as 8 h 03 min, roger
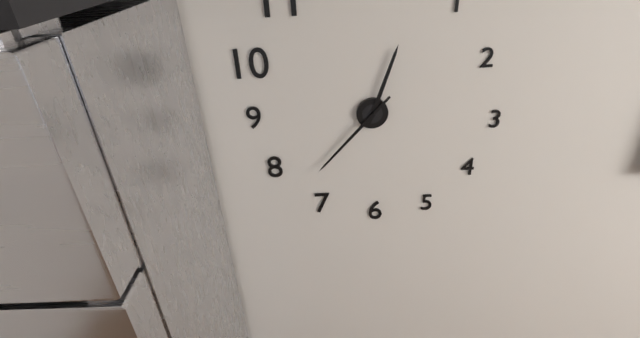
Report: 12 h 37 min
